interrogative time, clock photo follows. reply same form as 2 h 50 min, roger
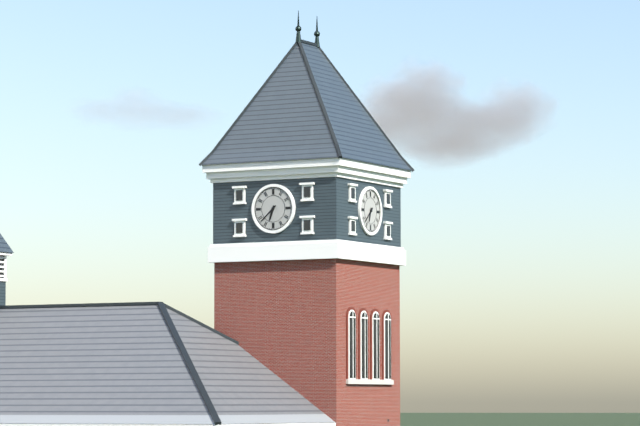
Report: 6 h 38 min
